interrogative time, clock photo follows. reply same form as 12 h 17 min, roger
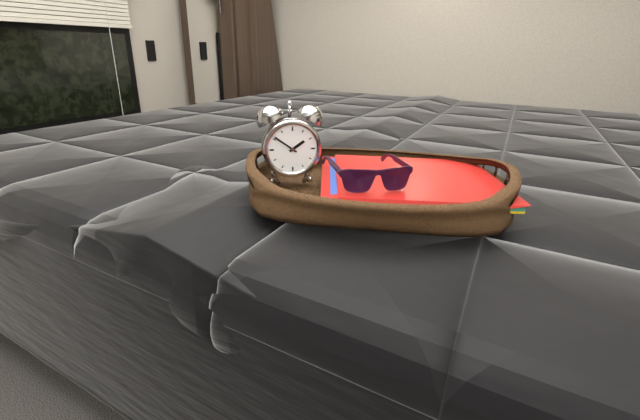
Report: 1 h 51 min
